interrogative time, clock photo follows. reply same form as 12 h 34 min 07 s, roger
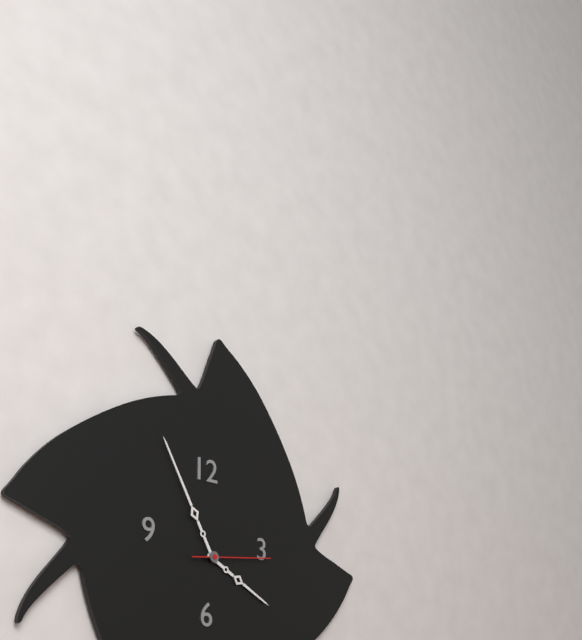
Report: 3 h 55 min 14 s
